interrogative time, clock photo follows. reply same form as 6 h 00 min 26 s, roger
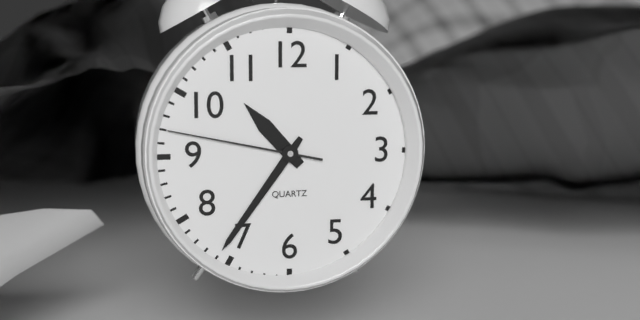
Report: 10 h 36 min 47 s
